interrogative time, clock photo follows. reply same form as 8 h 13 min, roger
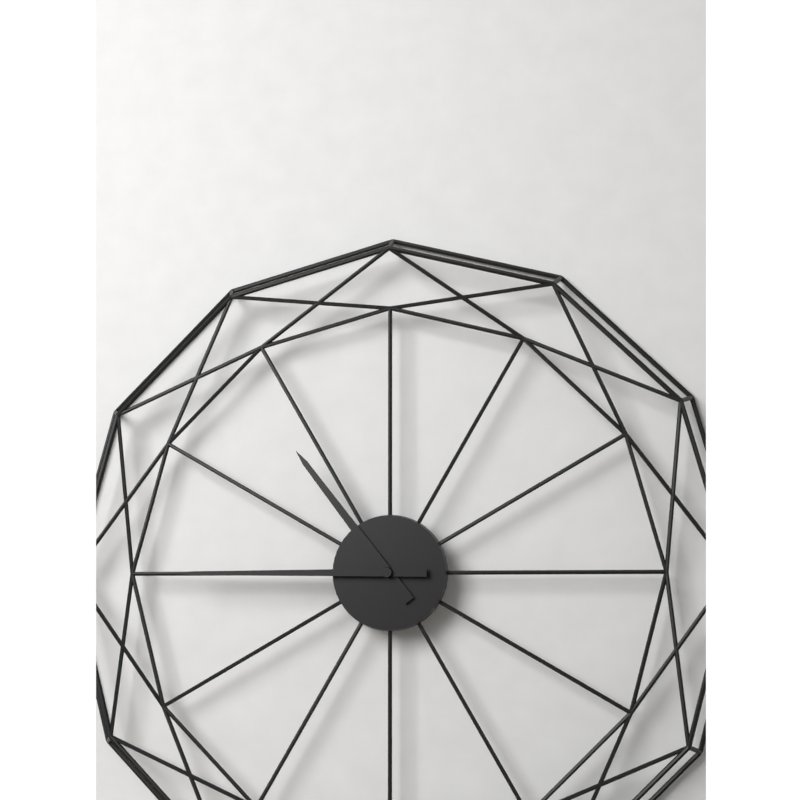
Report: 10 h 45 min
